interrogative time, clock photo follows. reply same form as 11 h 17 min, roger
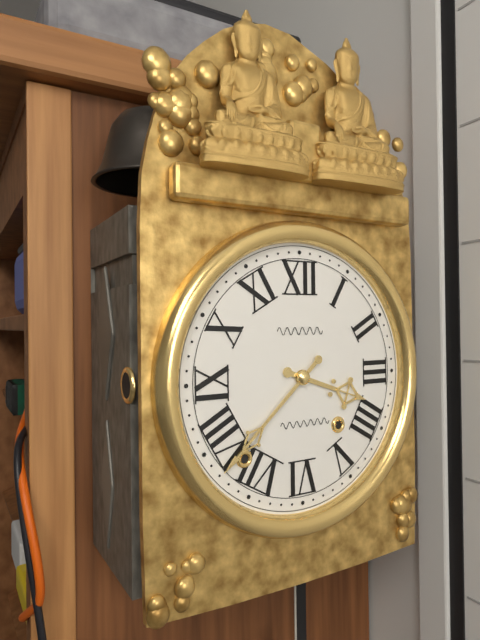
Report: 3 h 38 min
